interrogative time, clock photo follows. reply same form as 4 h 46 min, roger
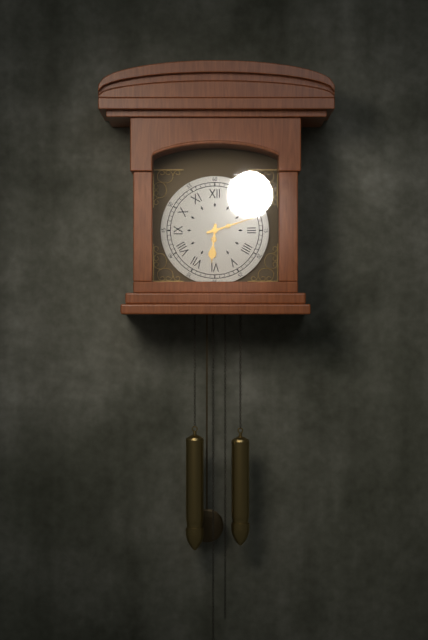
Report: 6 h 12 min
